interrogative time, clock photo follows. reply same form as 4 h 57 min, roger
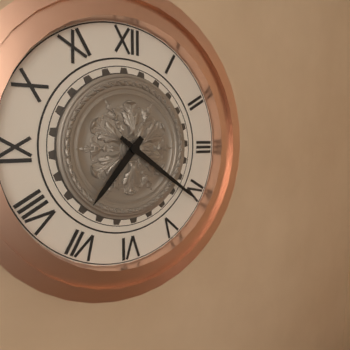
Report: 7 h 21 min
